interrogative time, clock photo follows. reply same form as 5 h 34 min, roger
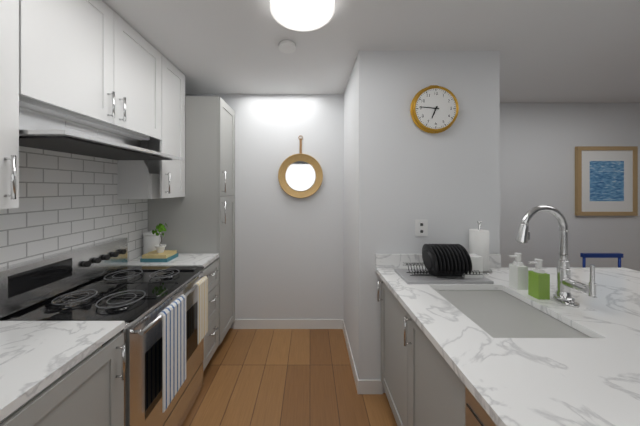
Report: 6 h 46 min
